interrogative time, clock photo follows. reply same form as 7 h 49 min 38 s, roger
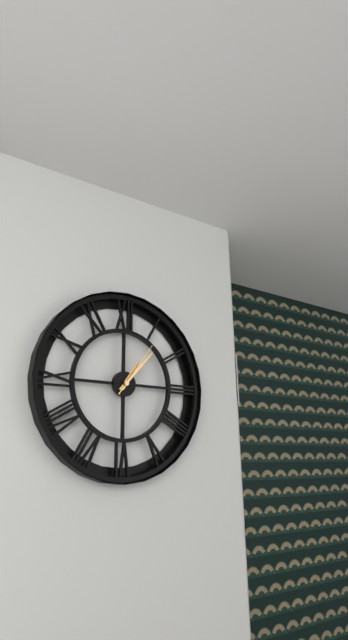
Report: 1 h 07 min 06 s
